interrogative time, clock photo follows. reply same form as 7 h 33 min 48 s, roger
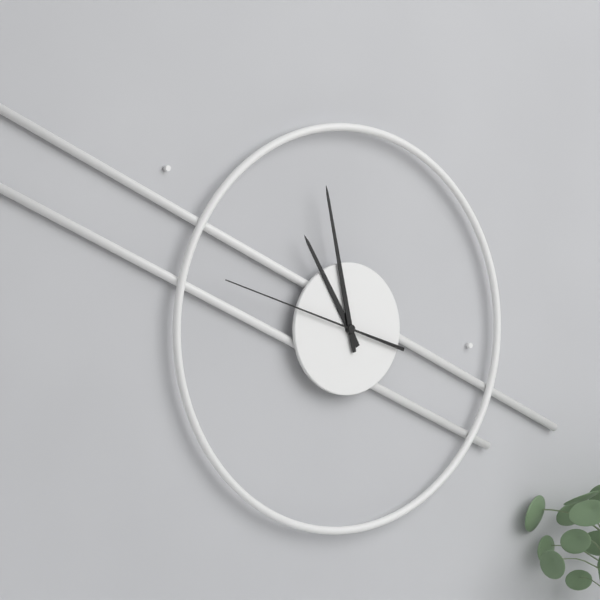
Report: 10 h 58 min 48 s
